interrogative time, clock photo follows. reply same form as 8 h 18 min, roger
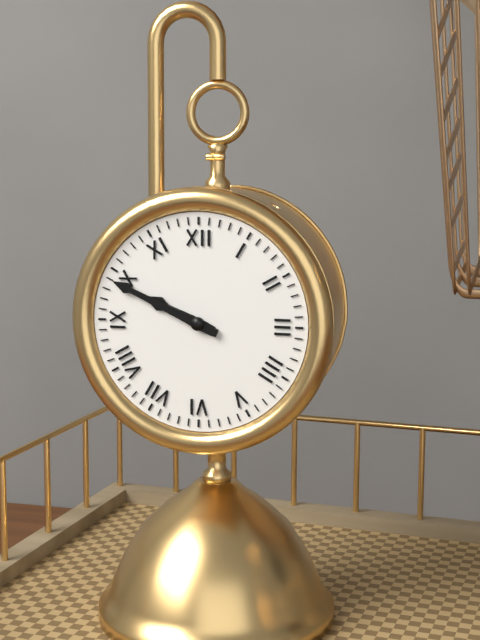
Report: 9 h 49 min
